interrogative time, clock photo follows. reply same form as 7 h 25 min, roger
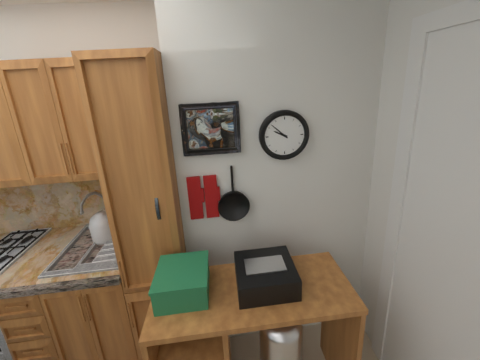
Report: 9 h 52 min
